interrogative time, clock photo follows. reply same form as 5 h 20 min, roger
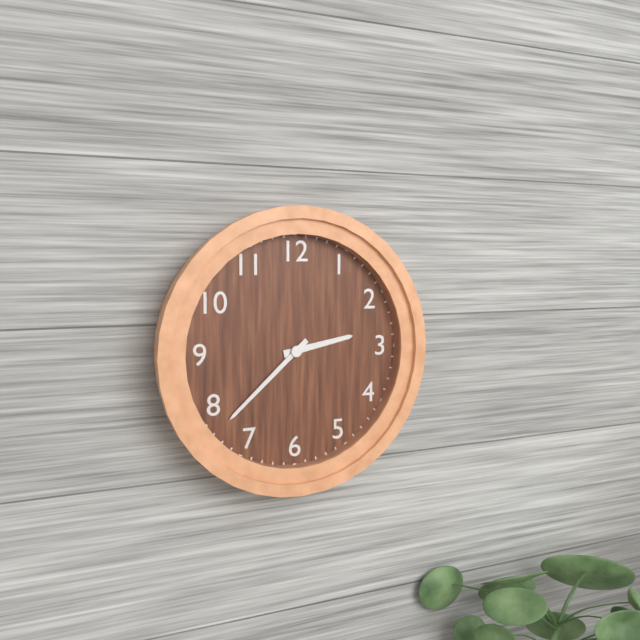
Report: 2 h 38 min
